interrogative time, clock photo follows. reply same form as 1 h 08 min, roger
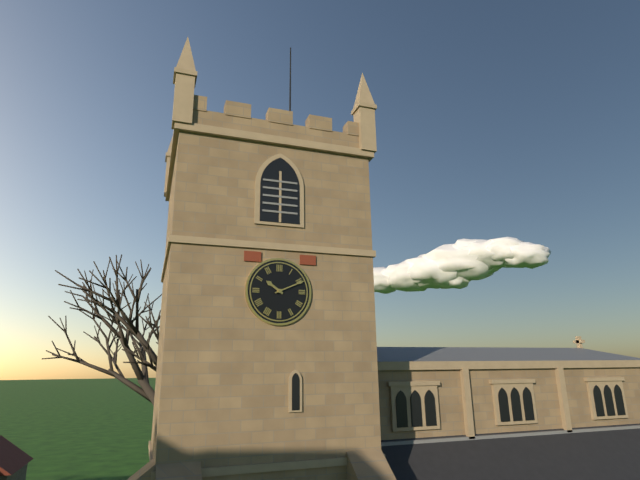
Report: 10 h 11 min
